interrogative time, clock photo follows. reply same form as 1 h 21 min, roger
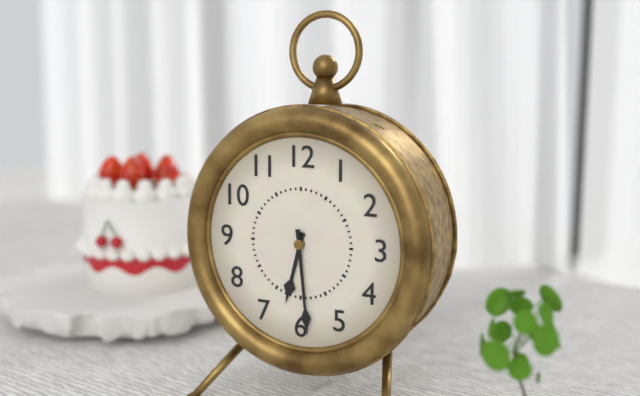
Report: 6 h 29 min
